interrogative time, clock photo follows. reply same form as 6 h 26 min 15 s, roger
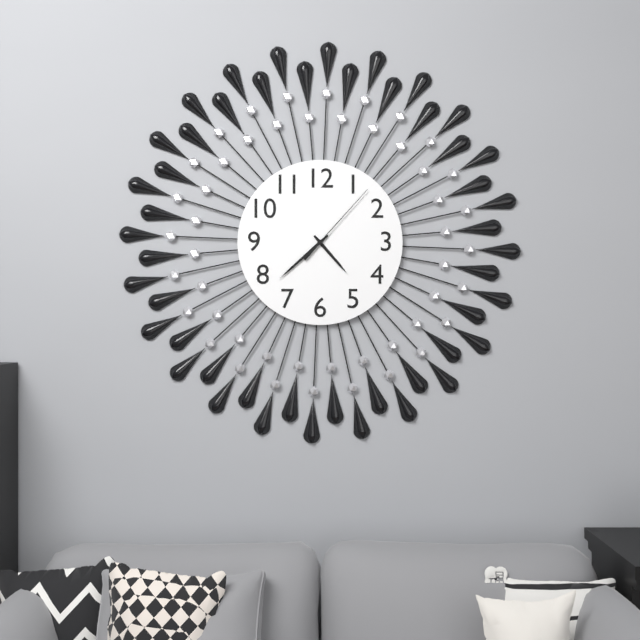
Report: 4 h 38 min 07 s
